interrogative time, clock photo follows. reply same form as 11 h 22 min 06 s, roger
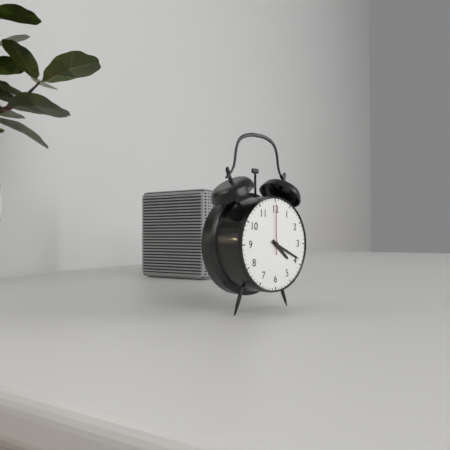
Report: 4 h 19 min 00 s
